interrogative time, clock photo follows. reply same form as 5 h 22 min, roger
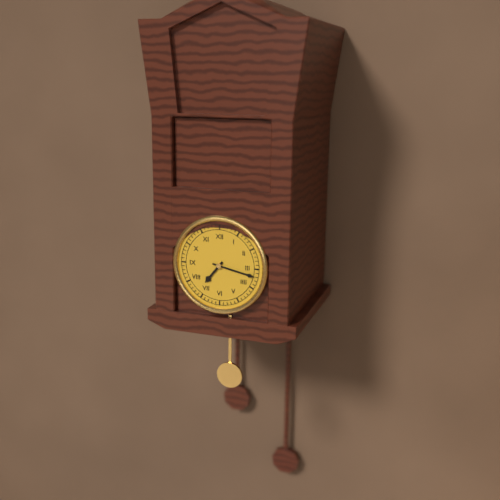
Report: 7 h 17 min
